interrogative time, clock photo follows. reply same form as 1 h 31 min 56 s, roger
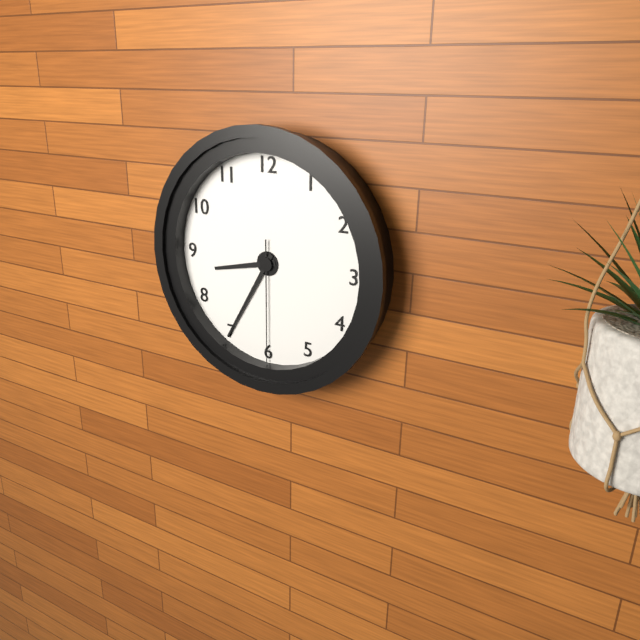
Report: 8 h 35 min 30 s
